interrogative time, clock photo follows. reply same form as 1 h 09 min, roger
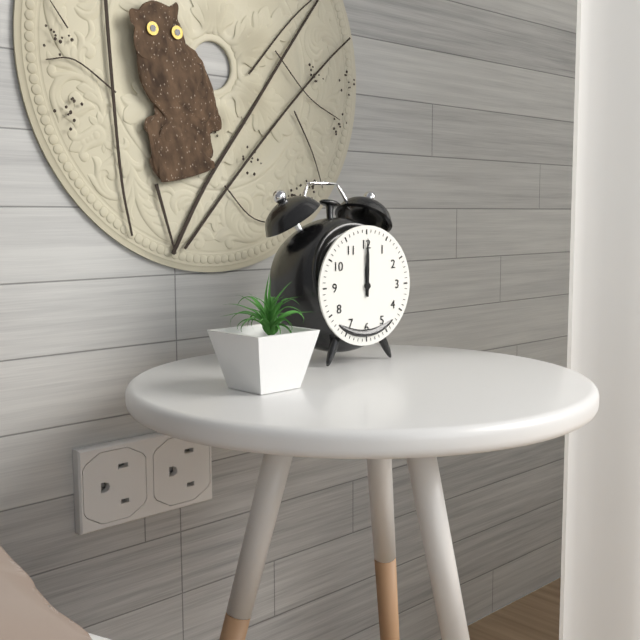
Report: 12 h 00 min
